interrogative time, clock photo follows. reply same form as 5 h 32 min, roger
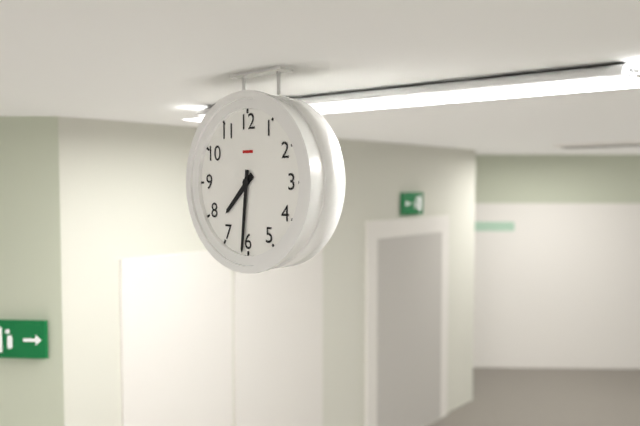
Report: 7 h 31 min
